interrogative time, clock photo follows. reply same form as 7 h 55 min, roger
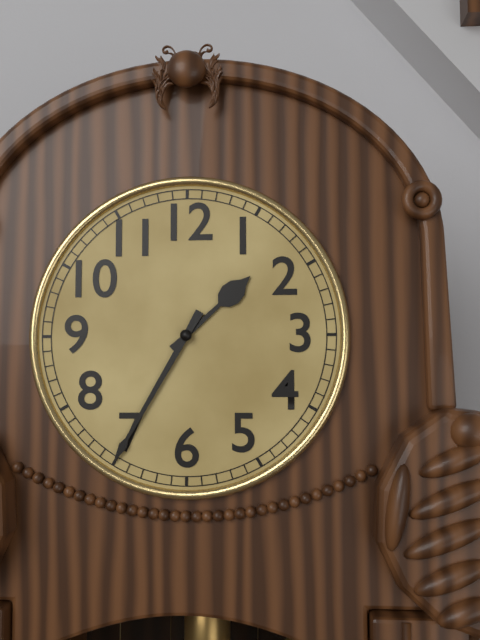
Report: 1 h 35 min
